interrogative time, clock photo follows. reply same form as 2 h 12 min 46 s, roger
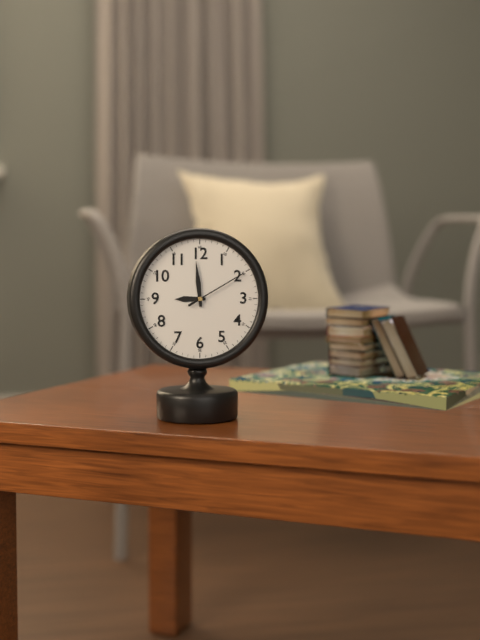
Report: 8 h 59 min 10 s
